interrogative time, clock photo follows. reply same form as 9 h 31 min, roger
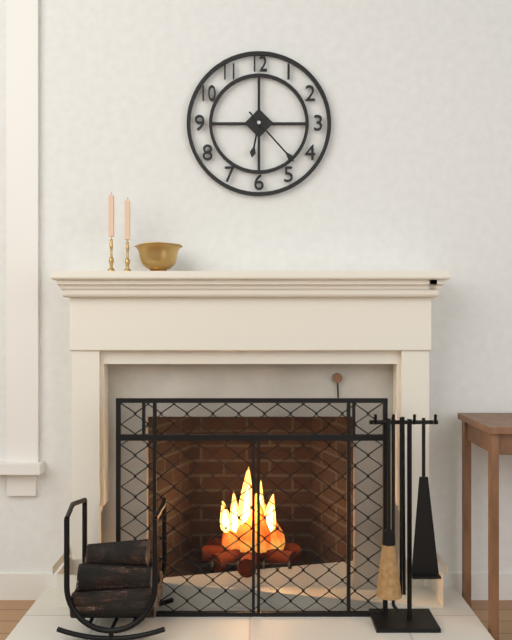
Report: 6 h 23 min
